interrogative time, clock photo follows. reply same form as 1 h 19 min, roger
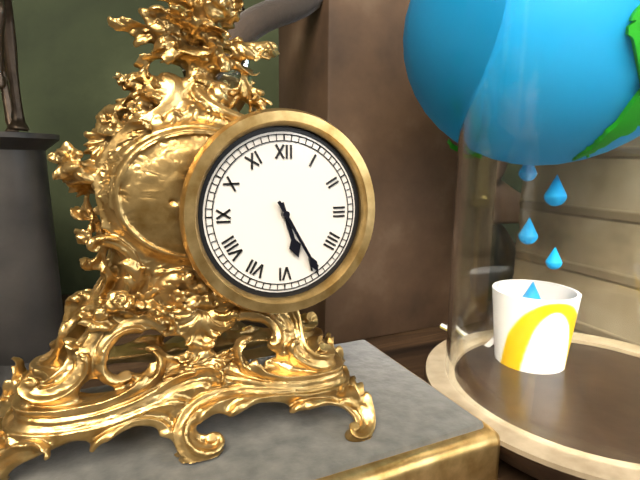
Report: 5 h 25 min
